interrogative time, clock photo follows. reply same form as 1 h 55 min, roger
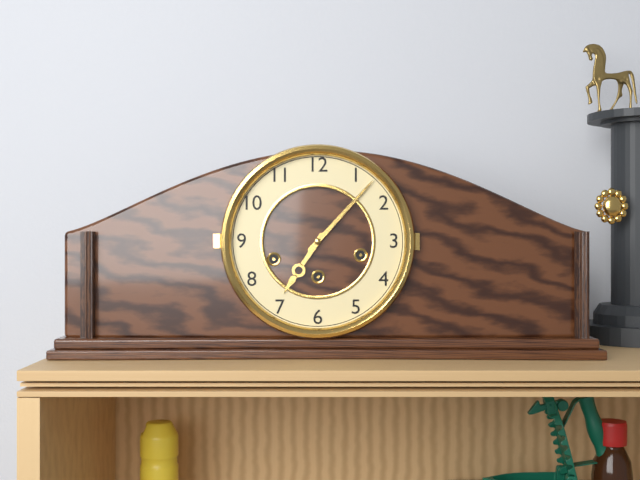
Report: 7 h 07 min
